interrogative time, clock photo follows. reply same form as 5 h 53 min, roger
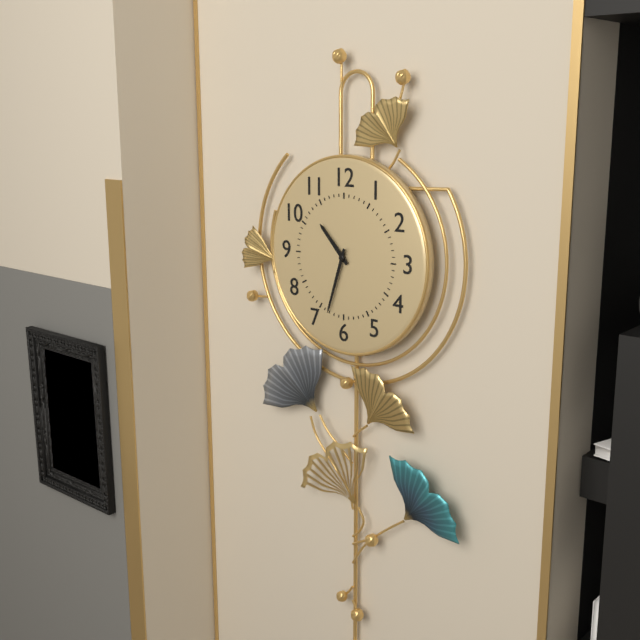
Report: 10 h 33 min
